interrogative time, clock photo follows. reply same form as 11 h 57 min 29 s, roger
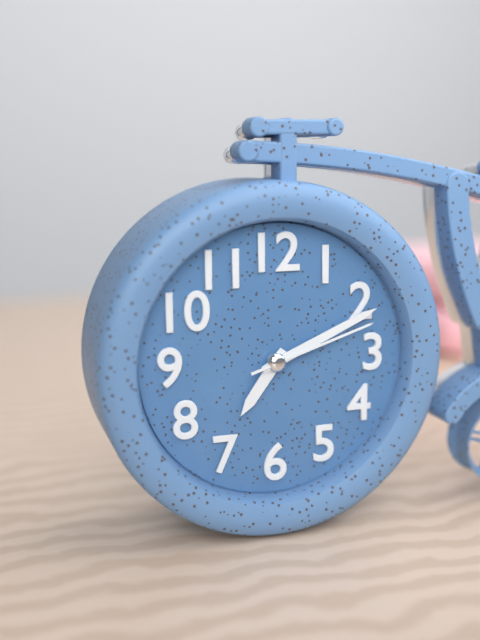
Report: 7 h 11 min 12 s
